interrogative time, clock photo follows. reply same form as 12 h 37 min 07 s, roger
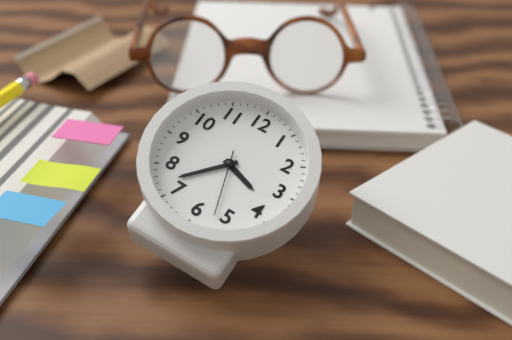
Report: 3 h 37 min 27 s
